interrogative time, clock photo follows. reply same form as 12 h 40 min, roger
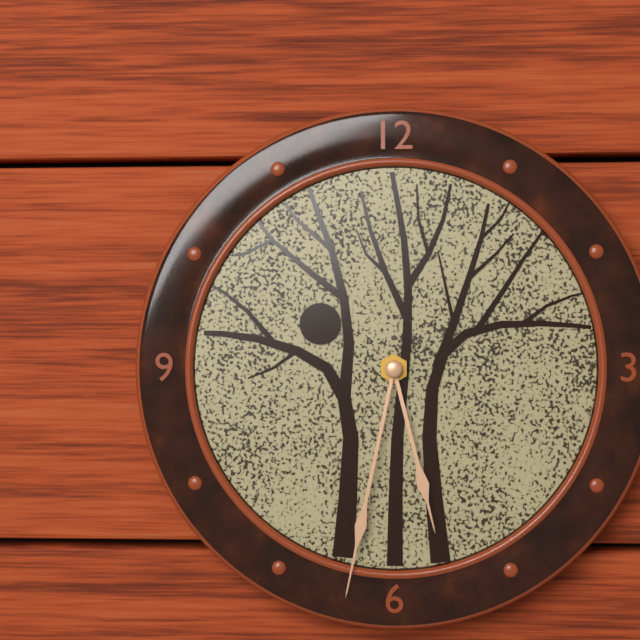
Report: 5 h 32 min
